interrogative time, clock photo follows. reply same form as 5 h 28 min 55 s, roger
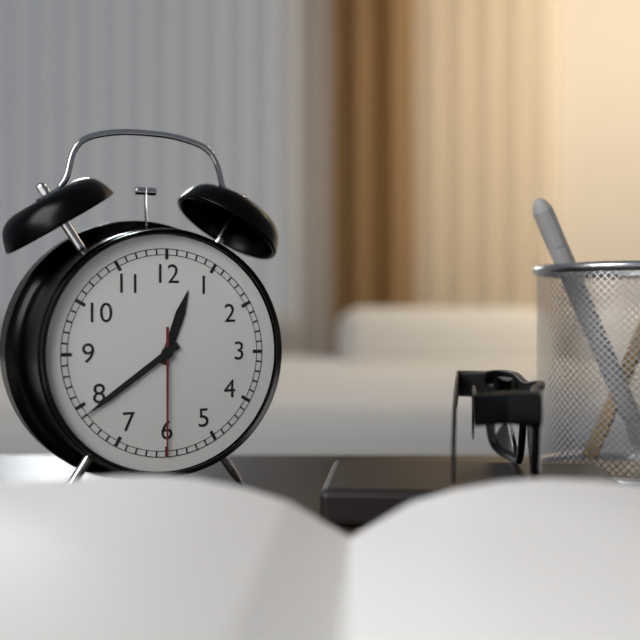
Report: 12 h 39 min 30 s
